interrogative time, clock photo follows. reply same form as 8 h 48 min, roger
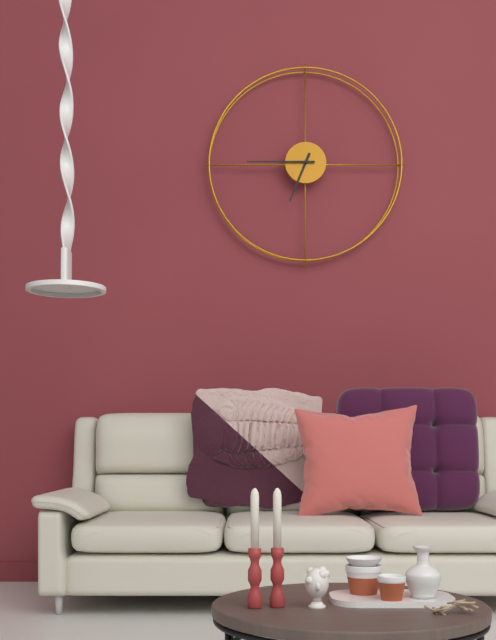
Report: 6 h 45 min
